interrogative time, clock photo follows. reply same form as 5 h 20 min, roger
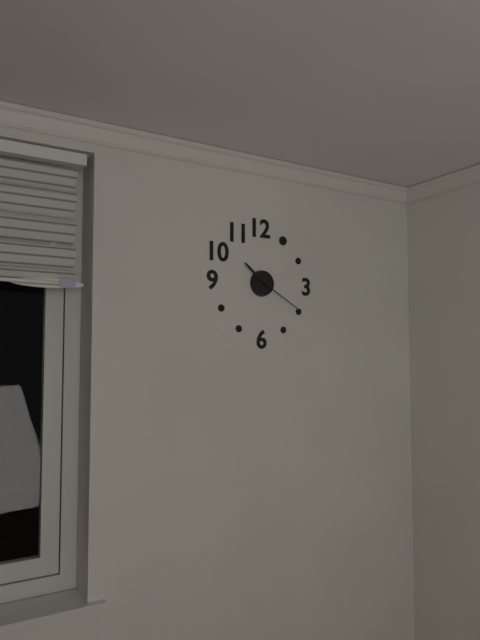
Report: 10 h 20 min
